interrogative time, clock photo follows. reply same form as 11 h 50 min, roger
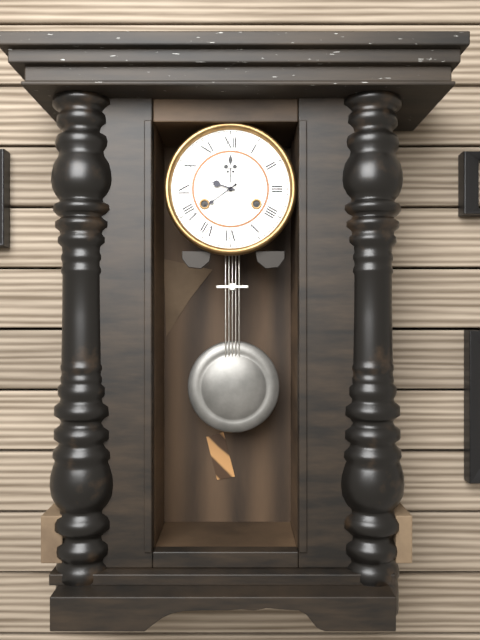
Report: 9 h 39 min
